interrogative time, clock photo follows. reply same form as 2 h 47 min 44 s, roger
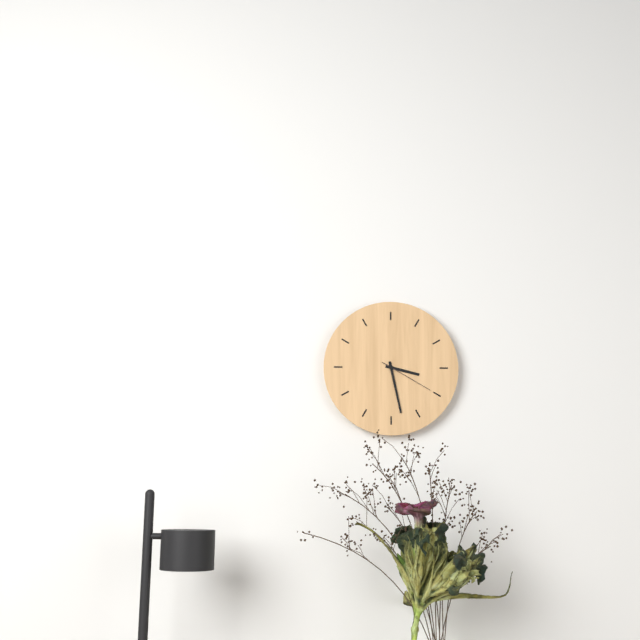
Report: 3 h 28 min 20 s
